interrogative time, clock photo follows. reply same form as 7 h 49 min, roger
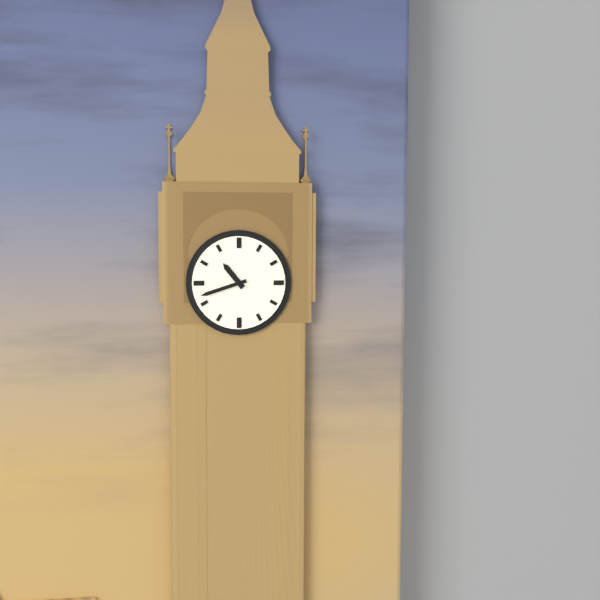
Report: 10 h 42 min
